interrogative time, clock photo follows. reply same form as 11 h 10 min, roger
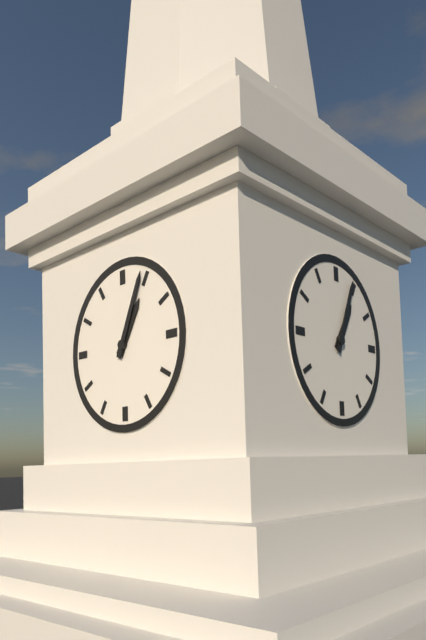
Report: 1 h 04 min
